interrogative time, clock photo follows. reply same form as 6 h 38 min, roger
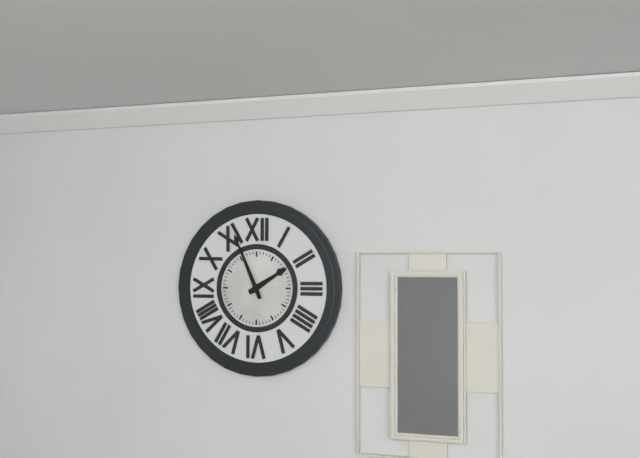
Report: 1 h 56 min
